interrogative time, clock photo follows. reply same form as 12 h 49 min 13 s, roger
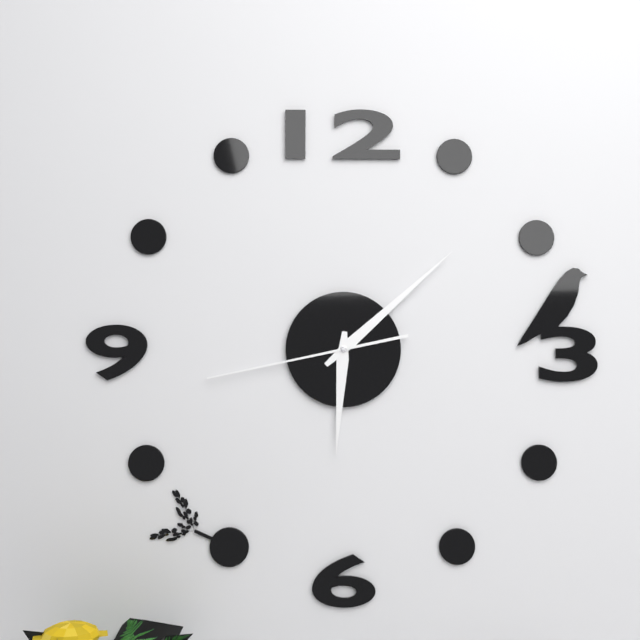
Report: 6 h 08 min 43 s
